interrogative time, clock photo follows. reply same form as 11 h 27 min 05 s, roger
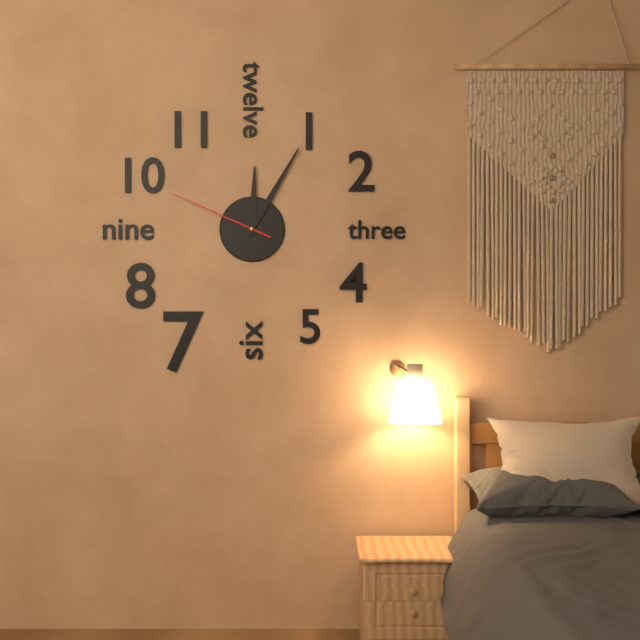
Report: 12 h 05 min 49 s
